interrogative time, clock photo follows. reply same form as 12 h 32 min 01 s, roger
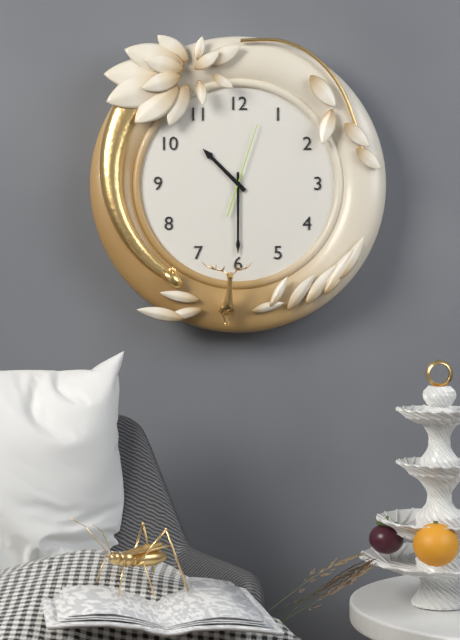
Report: 10 h 30 min 03 s
